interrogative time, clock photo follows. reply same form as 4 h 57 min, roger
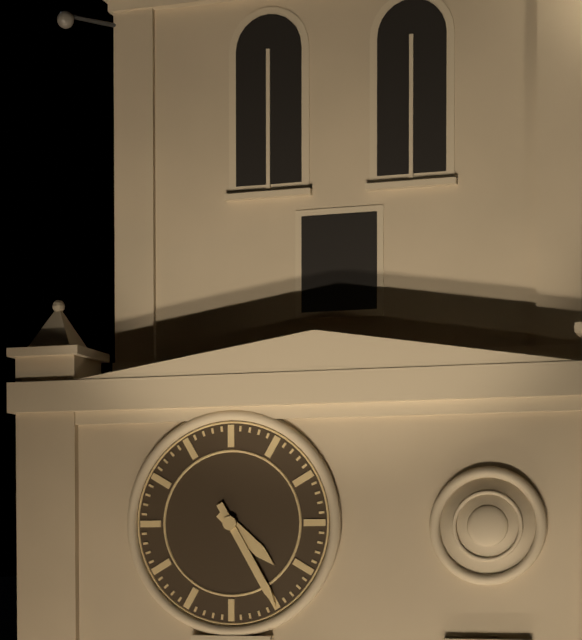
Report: 4 h 25 min
